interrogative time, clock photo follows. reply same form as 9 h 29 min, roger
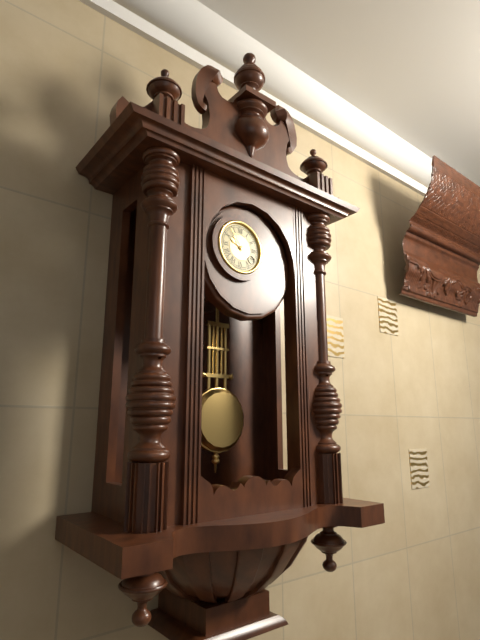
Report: 9 h 54 min
